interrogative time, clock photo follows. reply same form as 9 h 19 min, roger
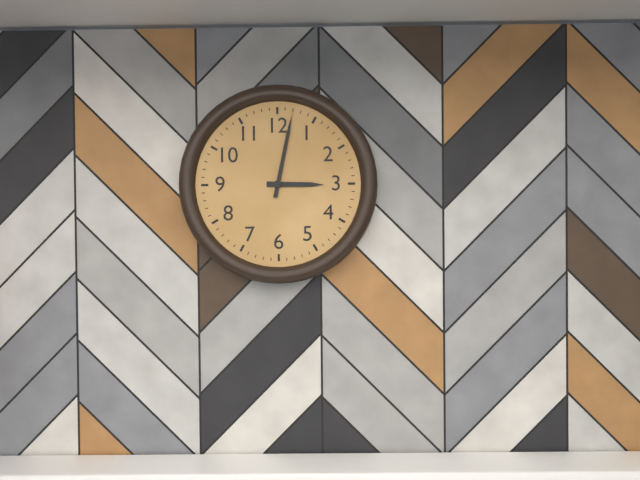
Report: 3 h 02 min
